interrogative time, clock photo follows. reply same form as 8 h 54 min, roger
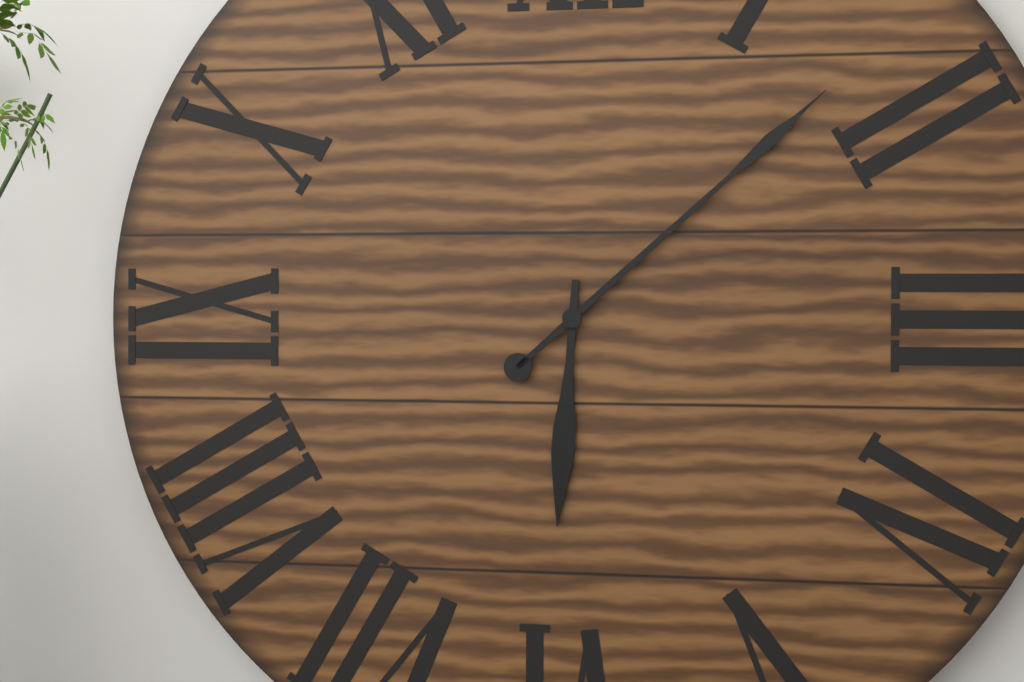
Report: 6 h 08 min
